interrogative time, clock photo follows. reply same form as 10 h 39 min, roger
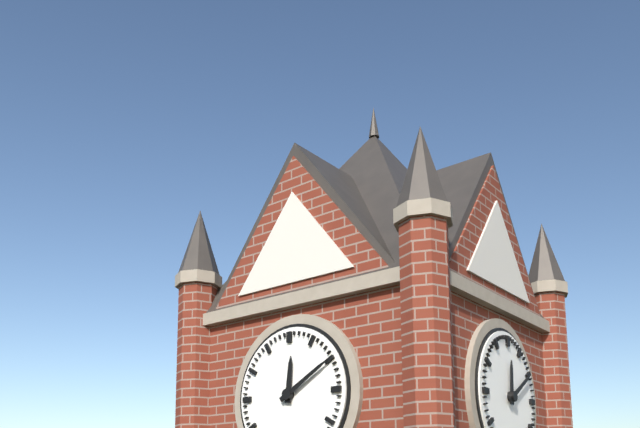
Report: 12 h 10 min
